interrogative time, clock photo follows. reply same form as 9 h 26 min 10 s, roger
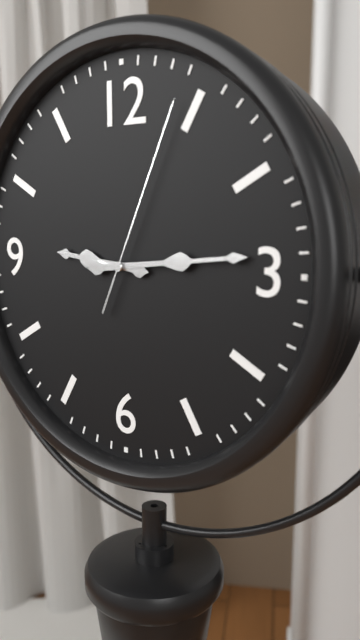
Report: 9 h 14 min 04 s
